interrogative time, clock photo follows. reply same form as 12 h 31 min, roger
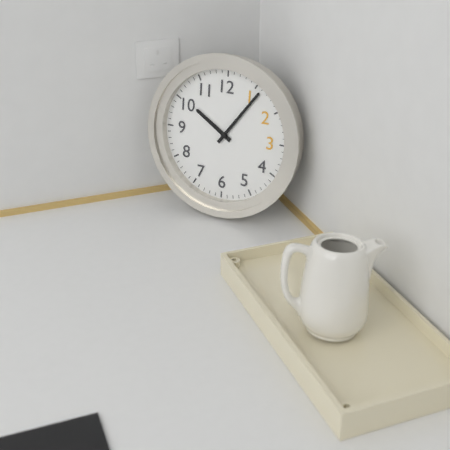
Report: 10 h 06 min
